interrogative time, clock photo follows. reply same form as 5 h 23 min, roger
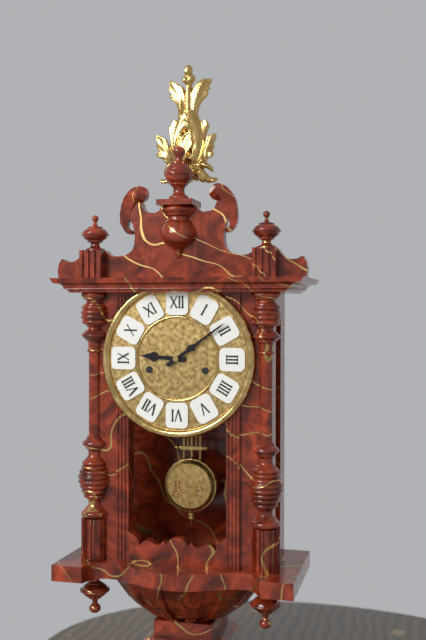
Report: 9 h 09 min
